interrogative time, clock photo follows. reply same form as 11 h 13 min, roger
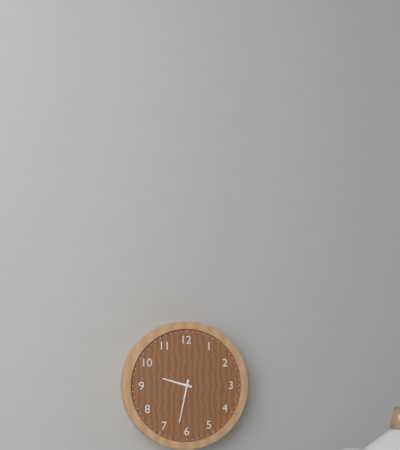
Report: 9 h 32 min
